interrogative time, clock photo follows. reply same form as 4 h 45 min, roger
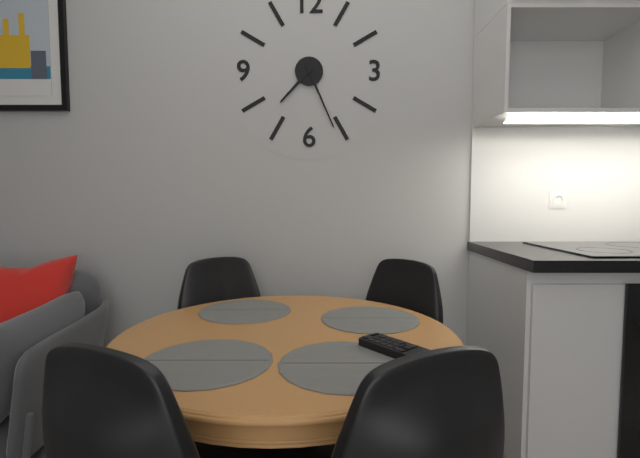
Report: 7 h 26 min
